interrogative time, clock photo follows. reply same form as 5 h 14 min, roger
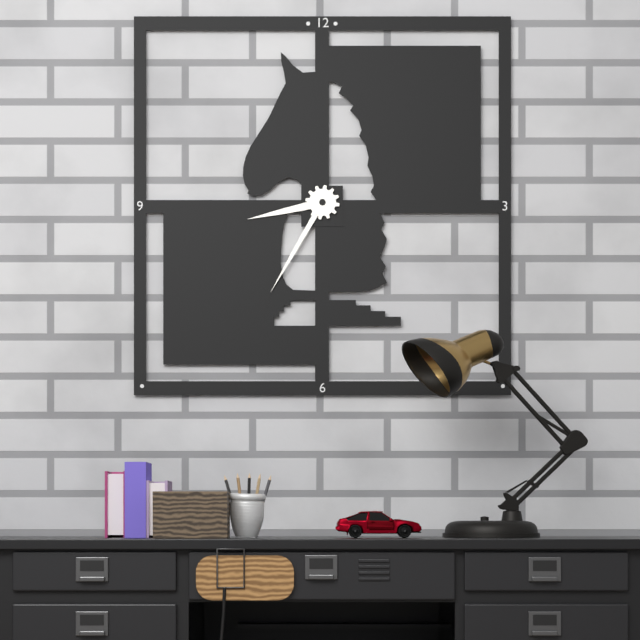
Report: 8 h 35 min
